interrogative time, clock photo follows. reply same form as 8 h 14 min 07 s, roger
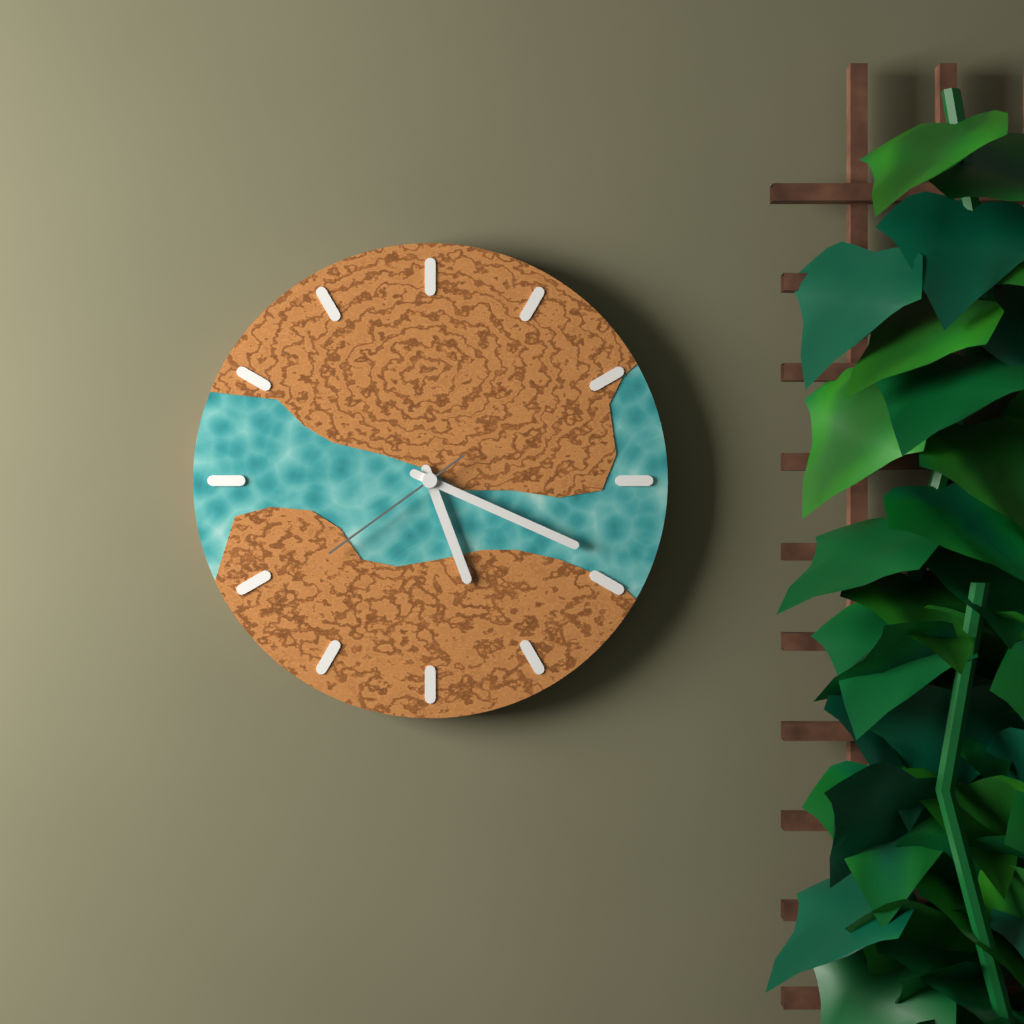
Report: 5 h 19 min 39 s
